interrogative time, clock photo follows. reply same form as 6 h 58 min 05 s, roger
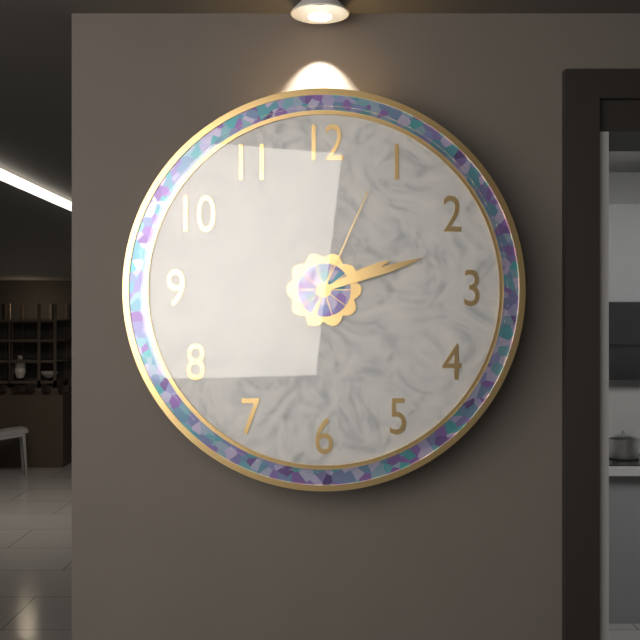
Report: 2 h 12 min 04 s
